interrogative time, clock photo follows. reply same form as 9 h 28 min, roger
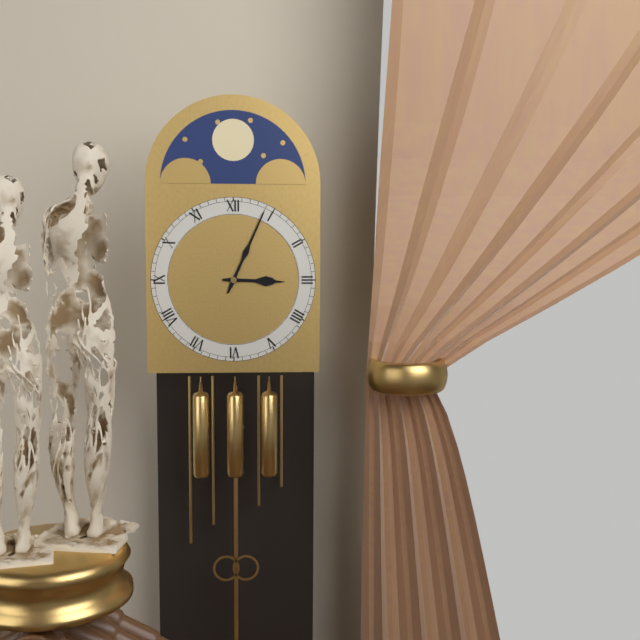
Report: 3 h 04 min
